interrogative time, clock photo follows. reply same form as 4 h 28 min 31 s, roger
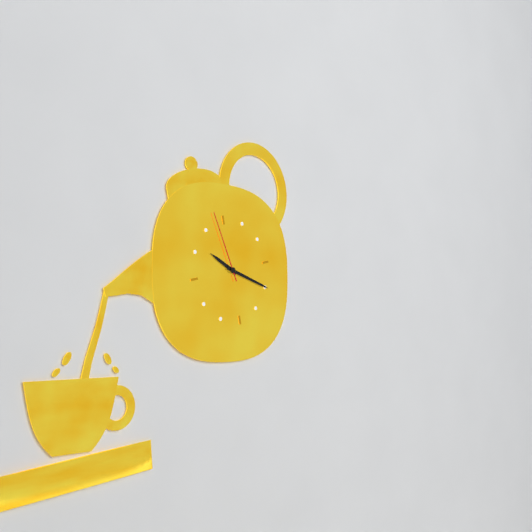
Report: 10 h 20 min 58 s
